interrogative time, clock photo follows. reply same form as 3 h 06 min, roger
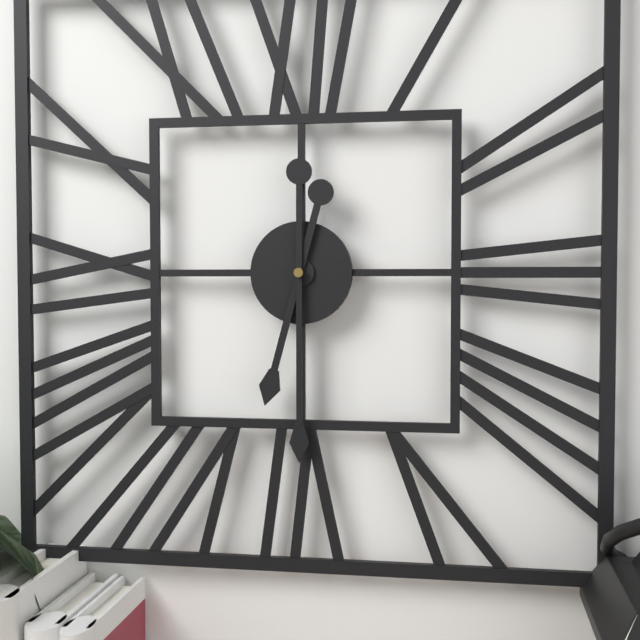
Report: 6 h 30 min
